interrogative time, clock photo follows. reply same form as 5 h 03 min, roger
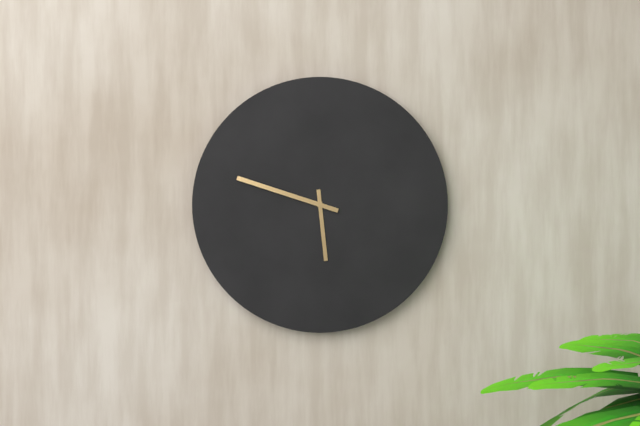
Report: 5 h 48 min
